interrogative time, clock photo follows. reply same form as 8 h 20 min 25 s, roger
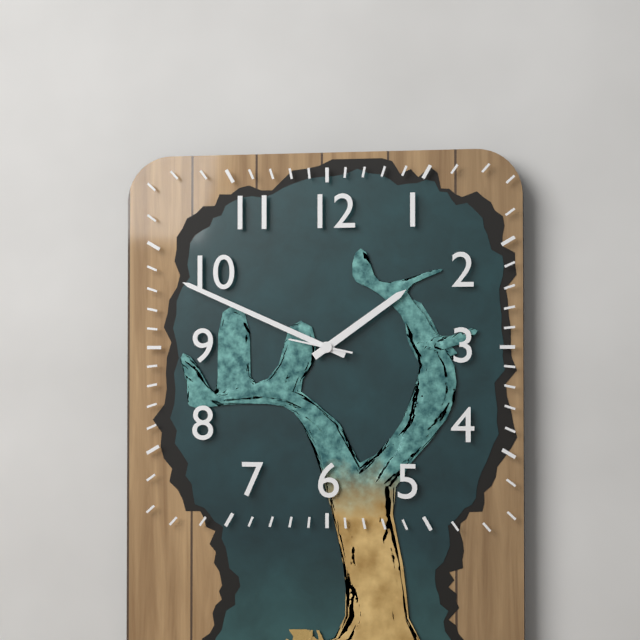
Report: 1 h 49 min 47 s
